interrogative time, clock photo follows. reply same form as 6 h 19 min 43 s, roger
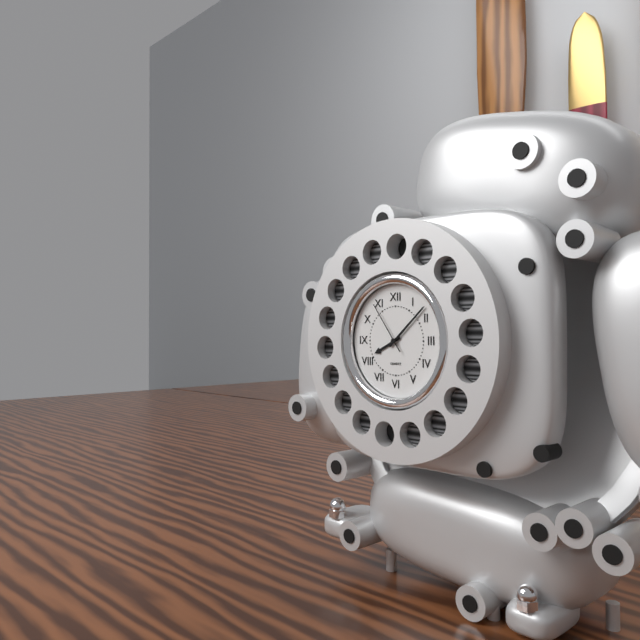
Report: 8 h 08 min 54 s
